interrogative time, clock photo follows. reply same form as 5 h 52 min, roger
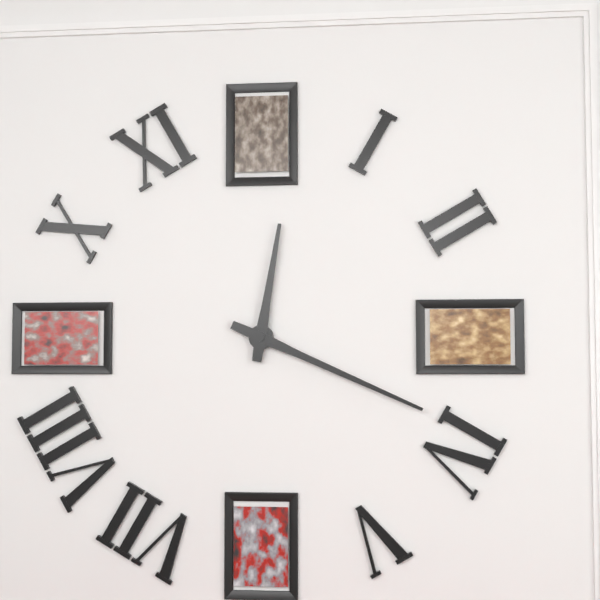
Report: 12 h 19 min
